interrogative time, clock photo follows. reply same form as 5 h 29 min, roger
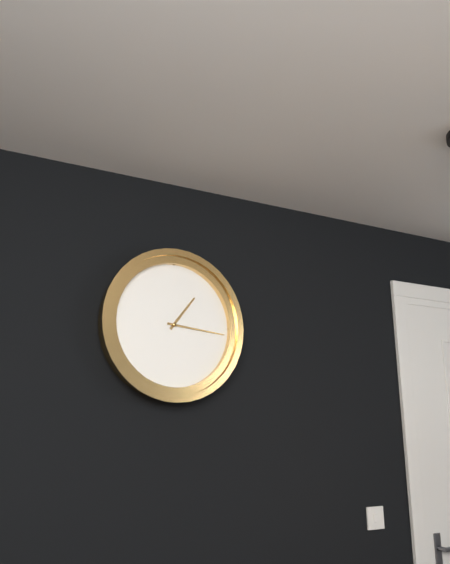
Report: 1 h 16 min
